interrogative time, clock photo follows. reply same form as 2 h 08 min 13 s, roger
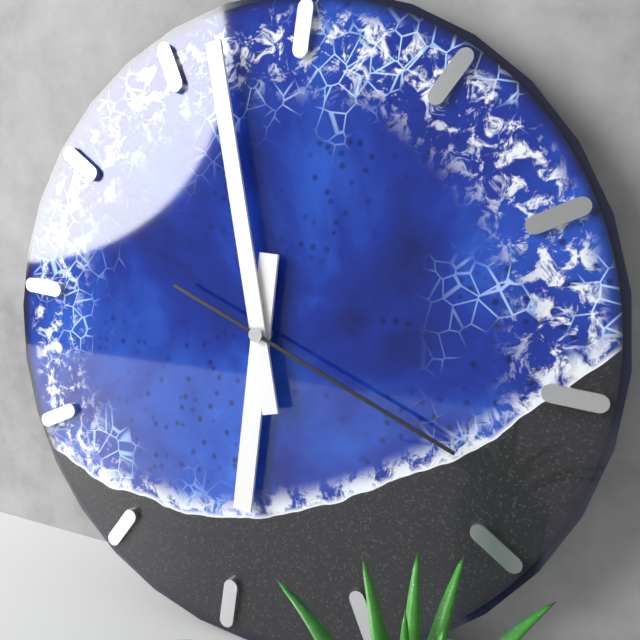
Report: 5 h 57 min 18 s
